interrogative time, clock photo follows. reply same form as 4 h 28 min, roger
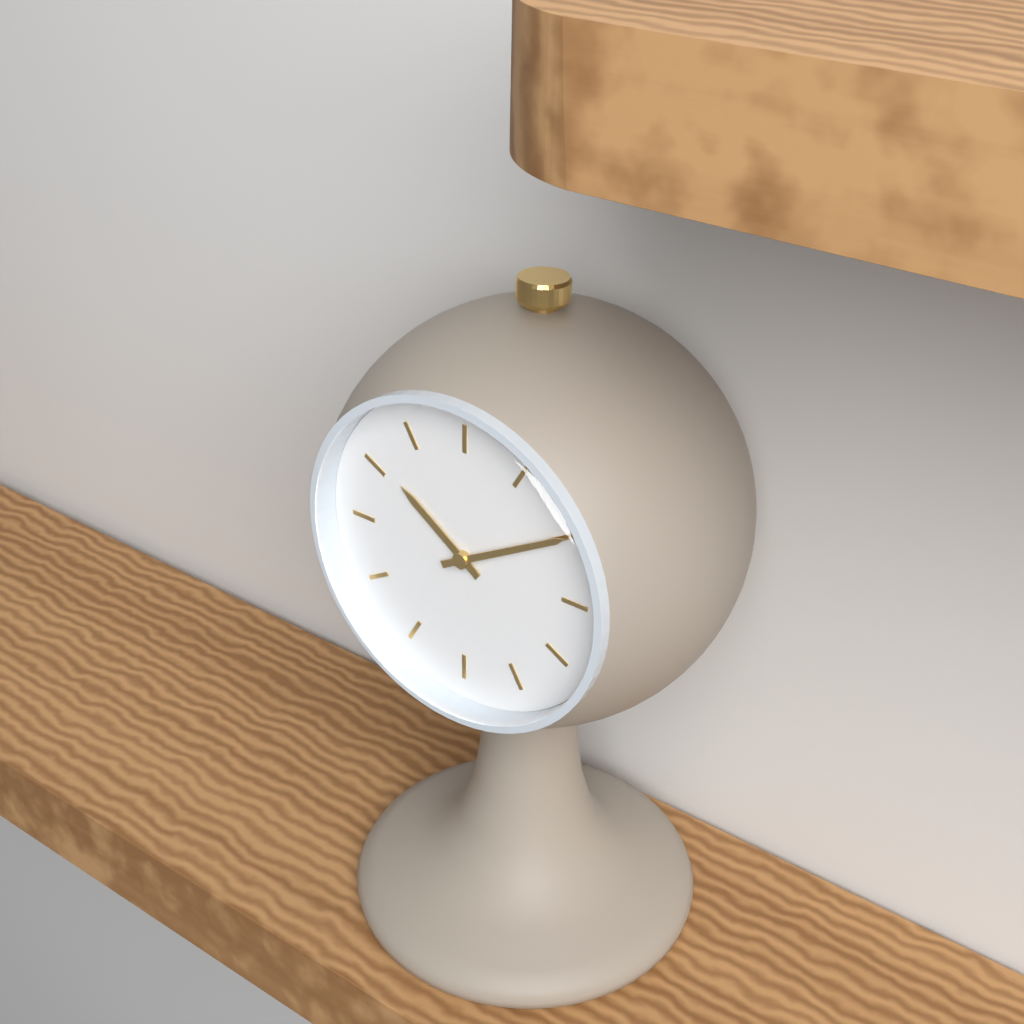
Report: 10 h 10 min
